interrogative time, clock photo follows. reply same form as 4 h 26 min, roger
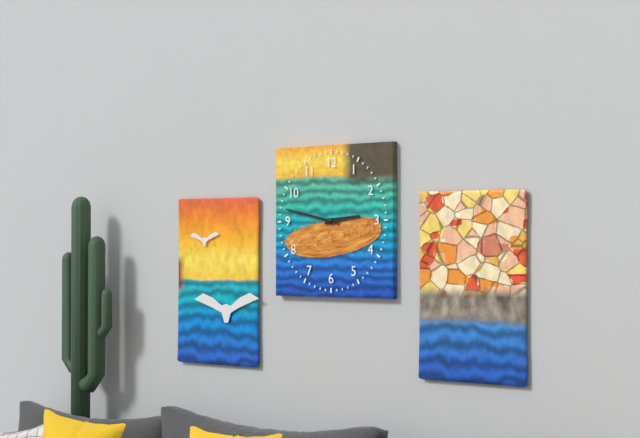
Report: 2 h 47 min
